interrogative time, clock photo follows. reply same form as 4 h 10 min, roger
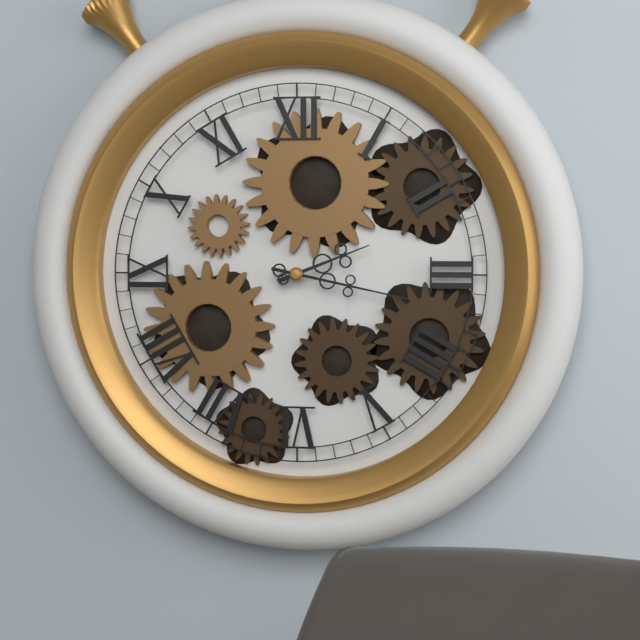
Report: 2 h 17 min
